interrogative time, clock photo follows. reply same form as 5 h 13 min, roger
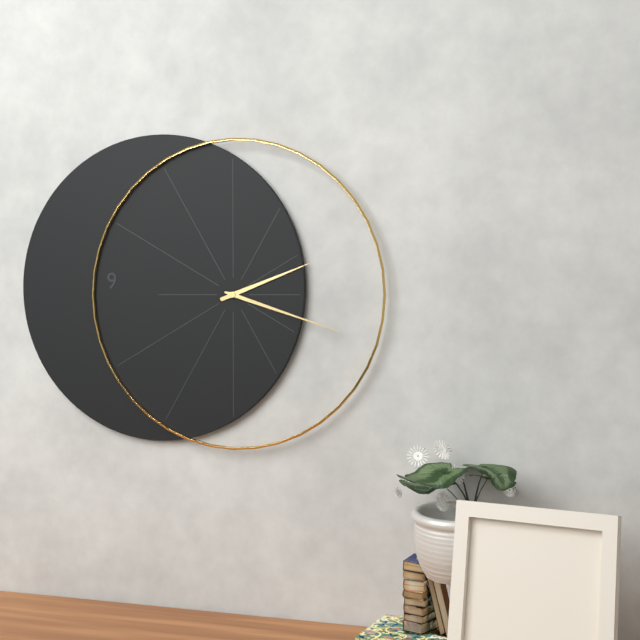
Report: 2 h 18 min
